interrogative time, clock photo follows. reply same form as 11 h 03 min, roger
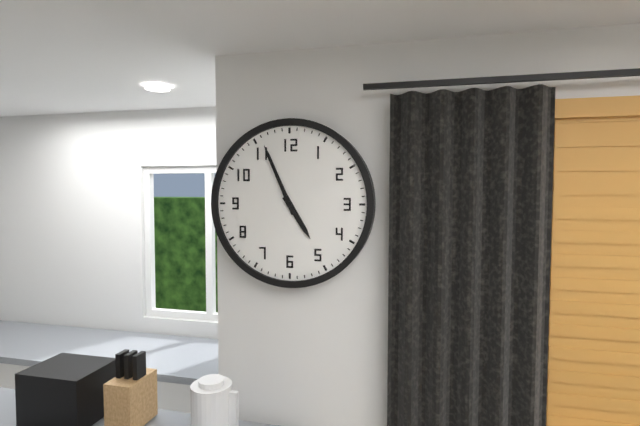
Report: 4 h 56 min
